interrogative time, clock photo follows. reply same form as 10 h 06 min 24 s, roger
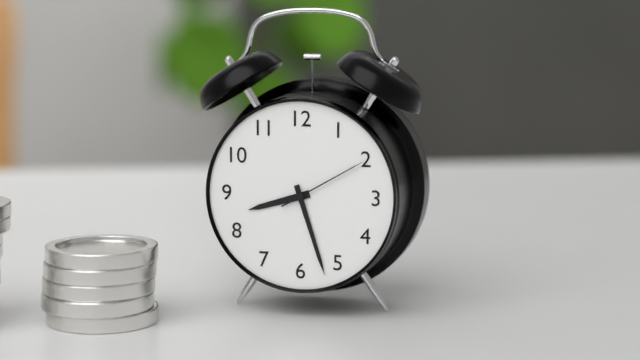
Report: 8 h 27 min 10 s
